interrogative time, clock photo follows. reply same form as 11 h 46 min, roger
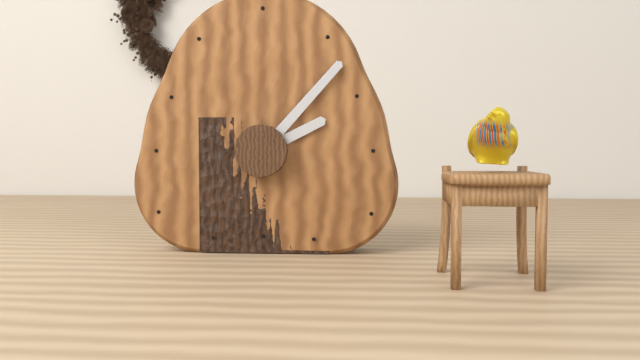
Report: 2 h 07 min
